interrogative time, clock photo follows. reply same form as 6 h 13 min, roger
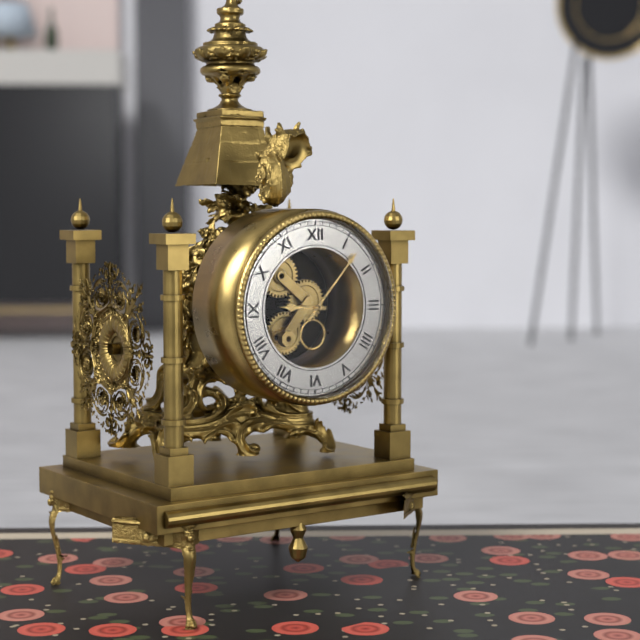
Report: 9 h 07 min
